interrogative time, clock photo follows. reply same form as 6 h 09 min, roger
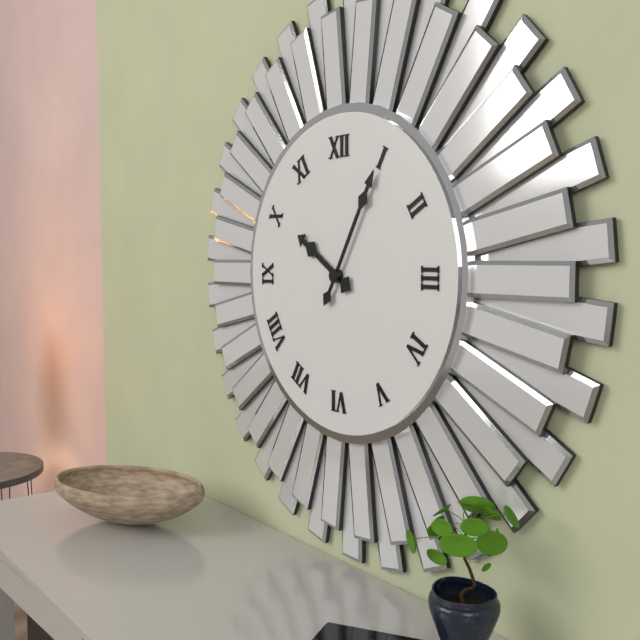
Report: 10 h 05 min
